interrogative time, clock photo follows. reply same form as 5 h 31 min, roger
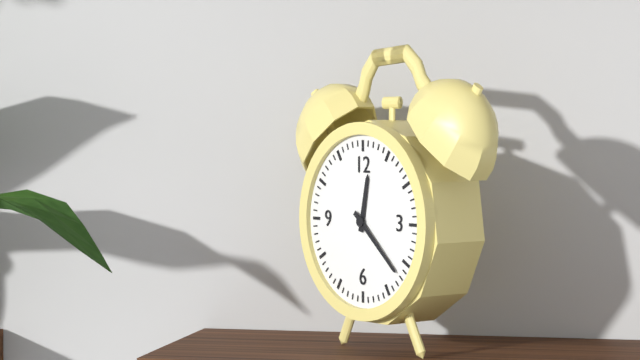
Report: 12 h 22 min
